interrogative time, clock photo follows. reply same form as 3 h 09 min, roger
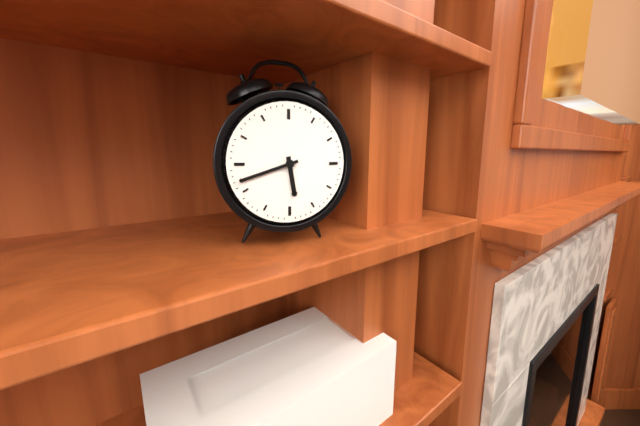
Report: 5 h 42 min
